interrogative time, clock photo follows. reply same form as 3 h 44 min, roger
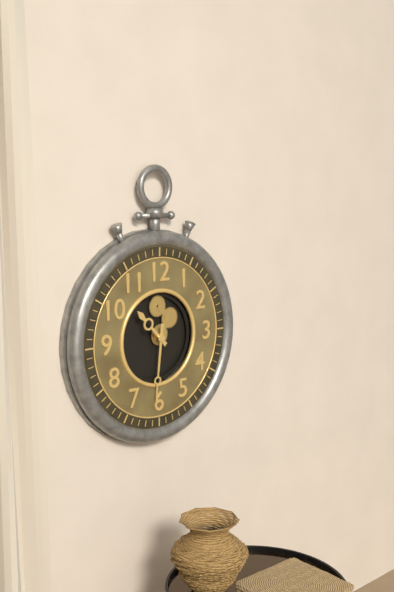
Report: 10 h 31 min
